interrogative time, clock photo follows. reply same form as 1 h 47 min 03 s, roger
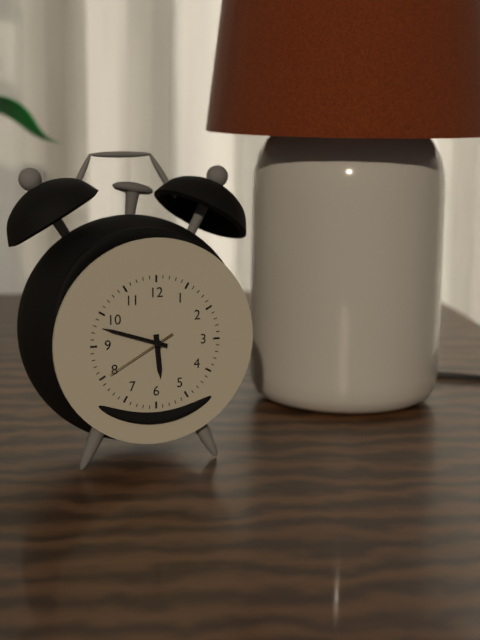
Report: 5 h 48 min 40 s
